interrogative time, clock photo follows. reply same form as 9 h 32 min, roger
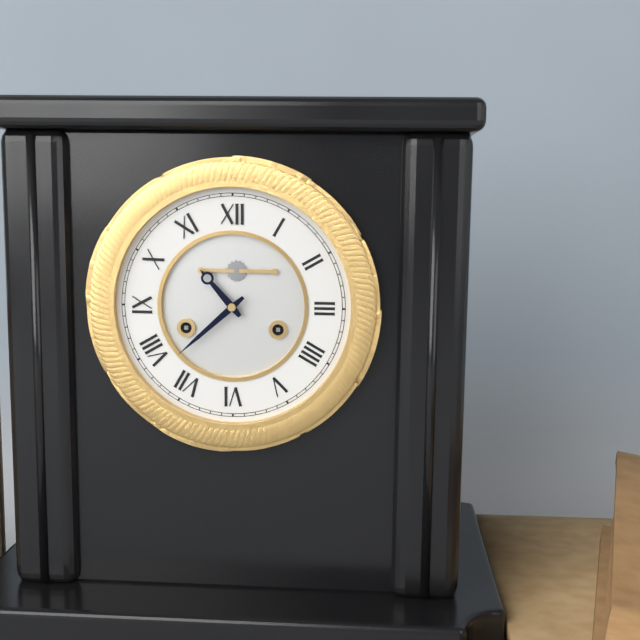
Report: 10 h 38 min
